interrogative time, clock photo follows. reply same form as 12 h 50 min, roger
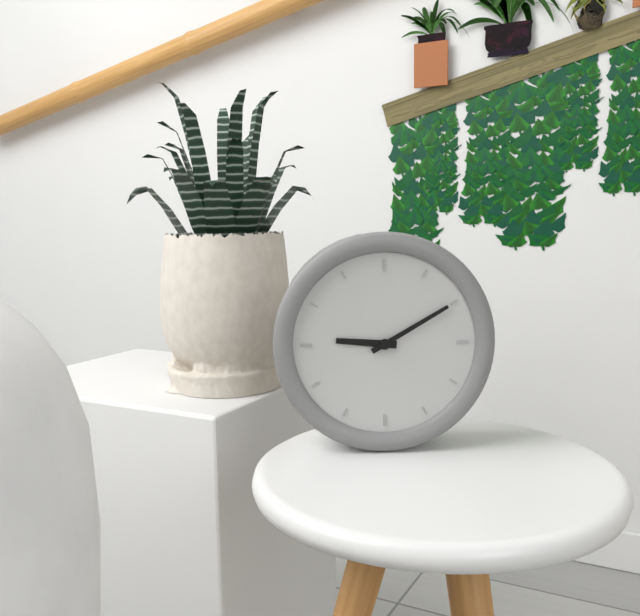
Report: 9 h 10 min
